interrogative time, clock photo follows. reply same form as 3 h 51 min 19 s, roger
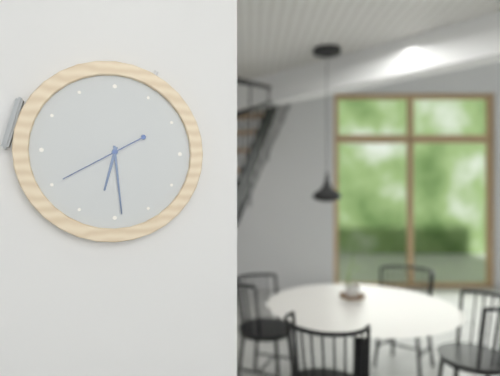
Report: 6 h 29 min 40 s
